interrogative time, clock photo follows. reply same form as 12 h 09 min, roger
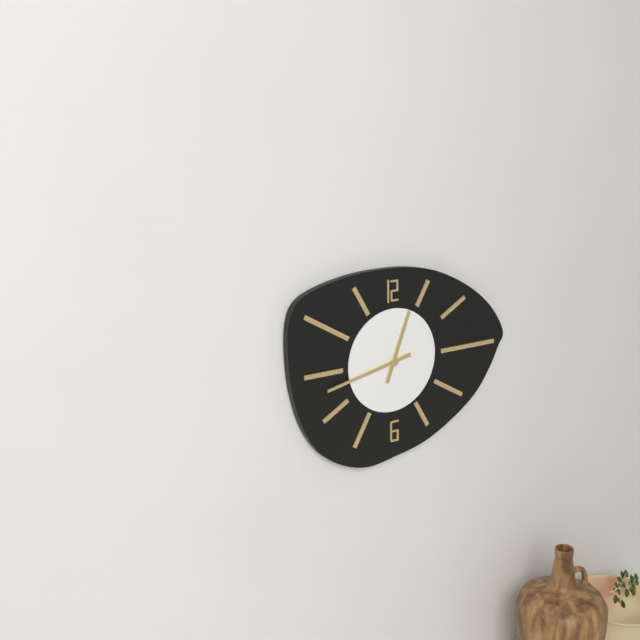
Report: 12 h 43 min
